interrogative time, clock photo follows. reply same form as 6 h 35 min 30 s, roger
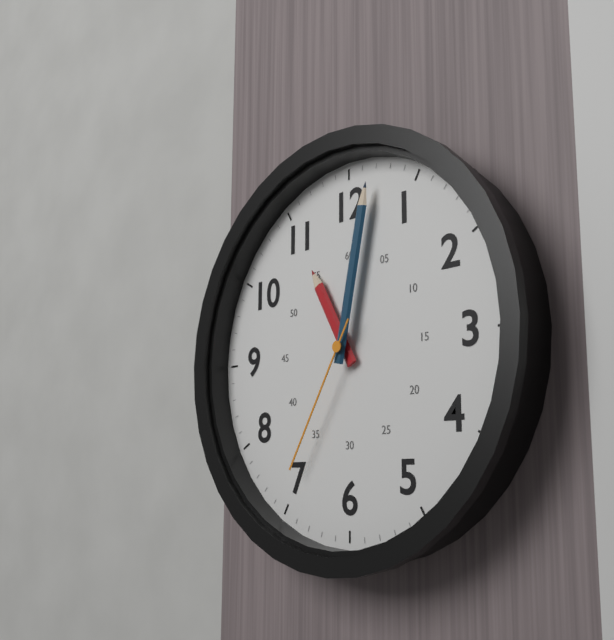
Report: 11 h 02 min 35 s
